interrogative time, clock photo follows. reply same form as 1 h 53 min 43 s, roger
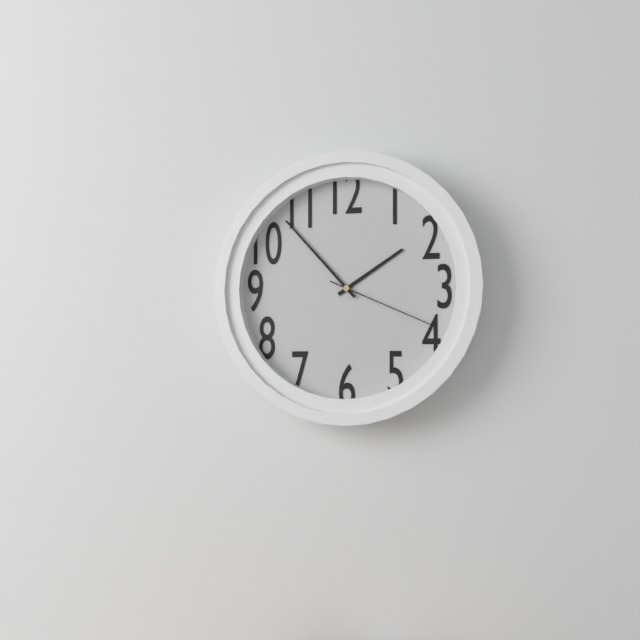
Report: 1 h 53 min 19 s
